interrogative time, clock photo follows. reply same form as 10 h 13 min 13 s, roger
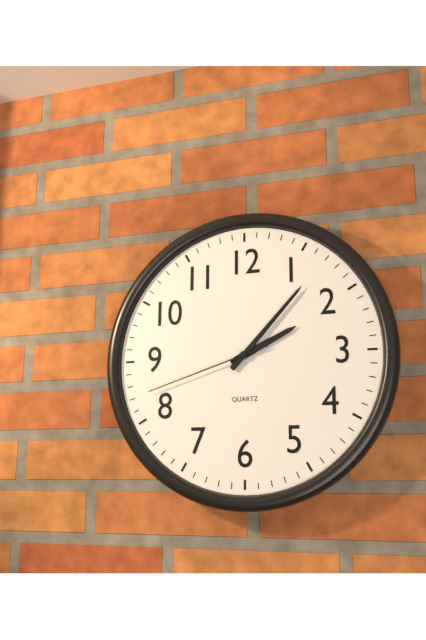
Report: 2 h 07 min 42 s
